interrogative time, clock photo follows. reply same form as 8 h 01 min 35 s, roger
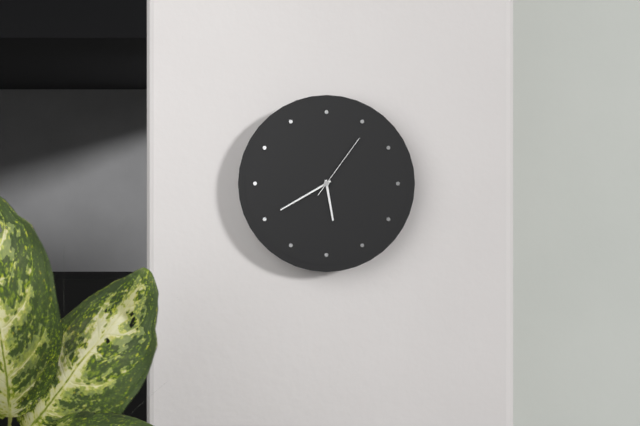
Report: 5 h 40 min 06 s
